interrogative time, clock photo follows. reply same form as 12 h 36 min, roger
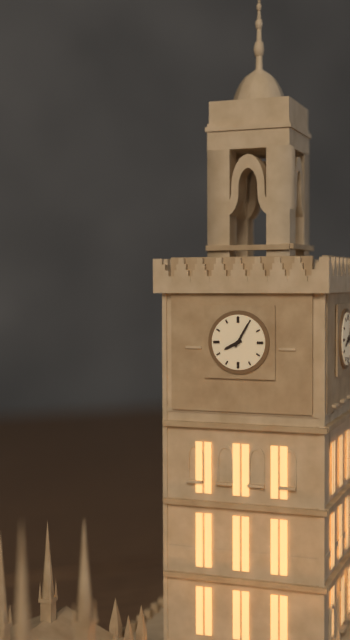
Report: 8 h 05 min
